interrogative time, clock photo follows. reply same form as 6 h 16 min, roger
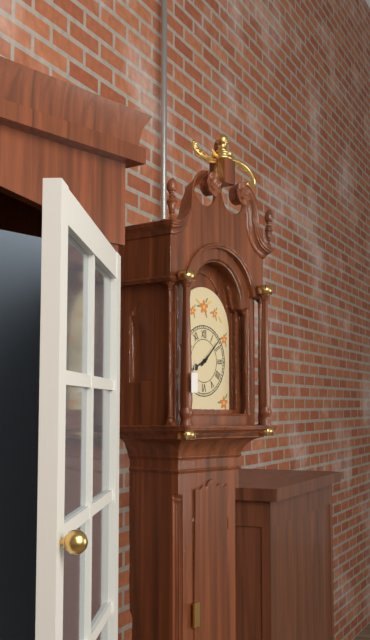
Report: 8 h 08 min
